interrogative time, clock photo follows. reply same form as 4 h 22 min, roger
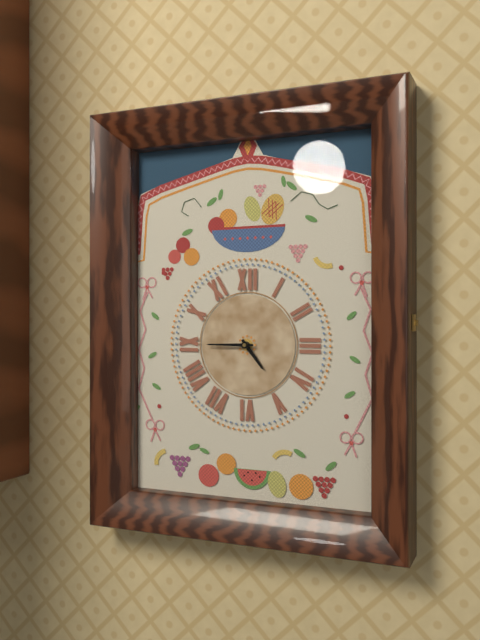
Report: 4 h 45 min
